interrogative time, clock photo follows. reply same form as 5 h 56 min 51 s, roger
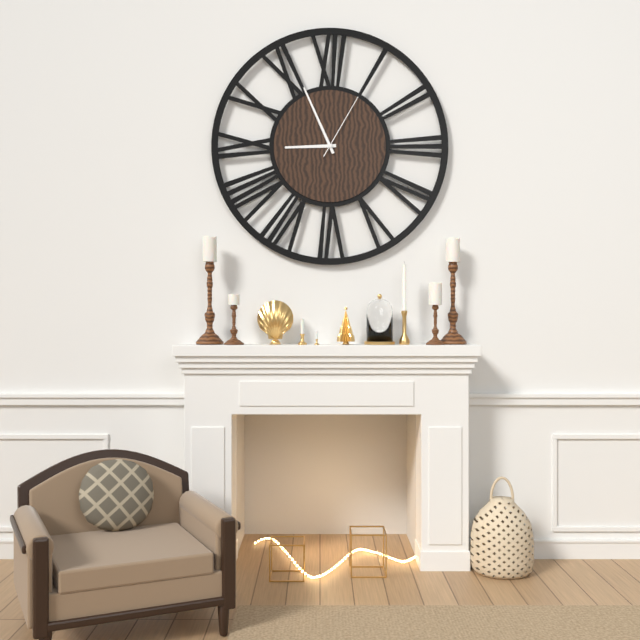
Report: 8 h 56 min 05 s
